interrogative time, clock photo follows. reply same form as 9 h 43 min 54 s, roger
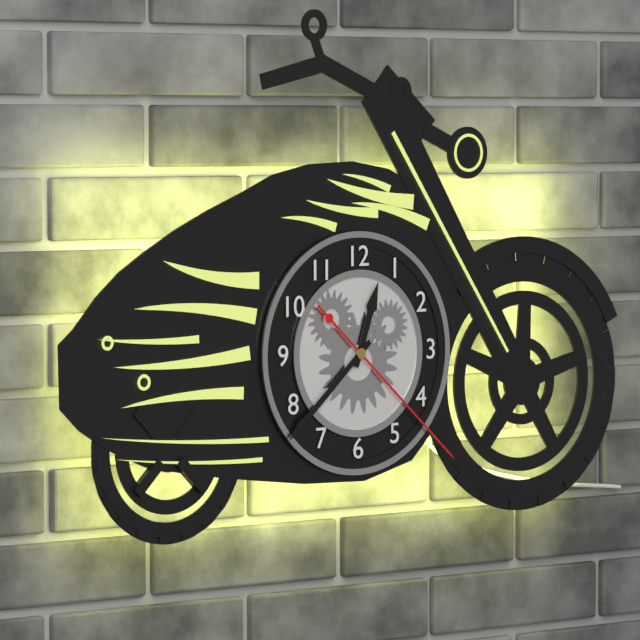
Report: 12 h 38 min 22 s
